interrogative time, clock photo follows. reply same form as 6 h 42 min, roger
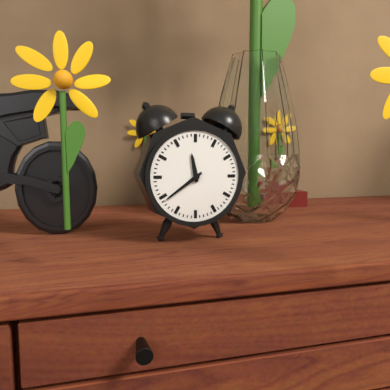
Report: 11 h 39 min
